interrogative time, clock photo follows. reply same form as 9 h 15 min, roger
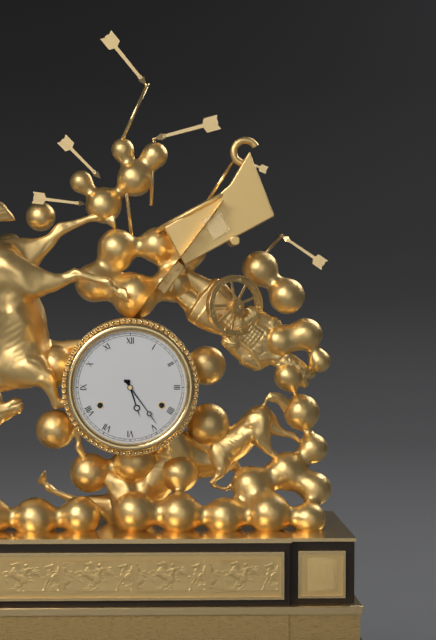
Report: 5 h 24 min
